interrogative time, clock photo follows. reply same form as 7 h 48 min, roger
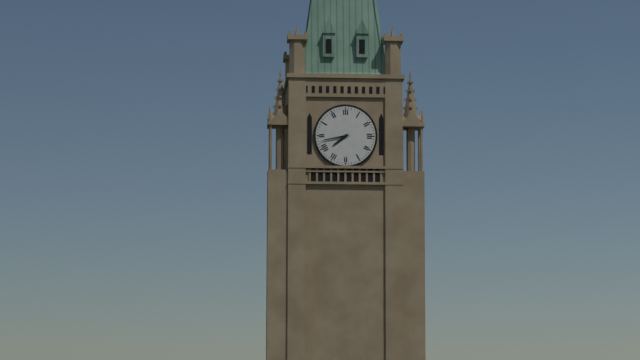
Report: 7 h 43 min
